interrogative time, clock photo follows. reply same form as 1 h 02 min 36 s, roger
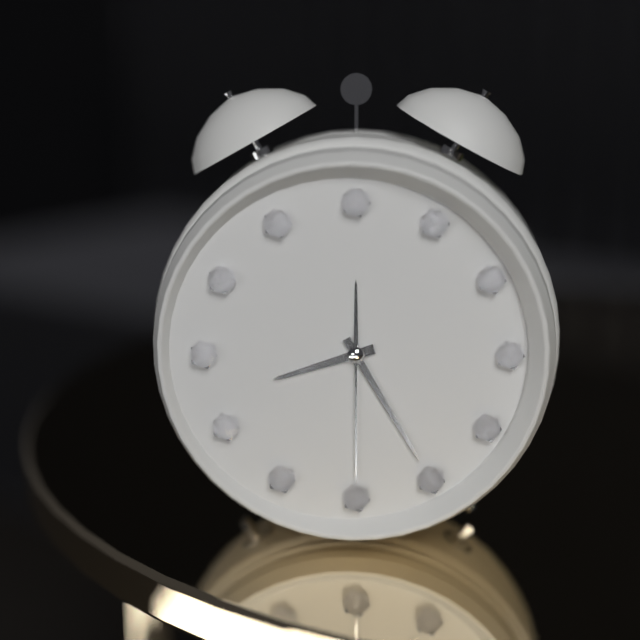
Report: 8 h 25 min 30 s
